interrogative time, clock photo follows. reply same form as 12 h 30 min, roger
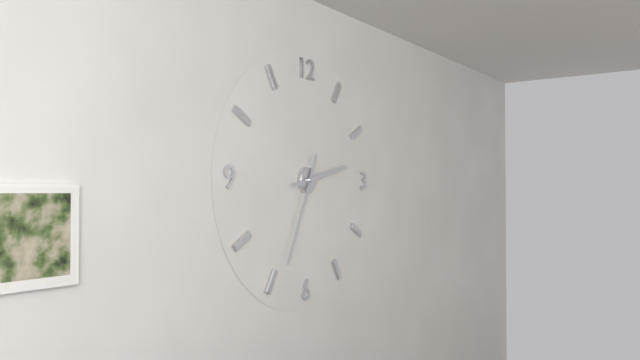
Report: 2 h 34 min
